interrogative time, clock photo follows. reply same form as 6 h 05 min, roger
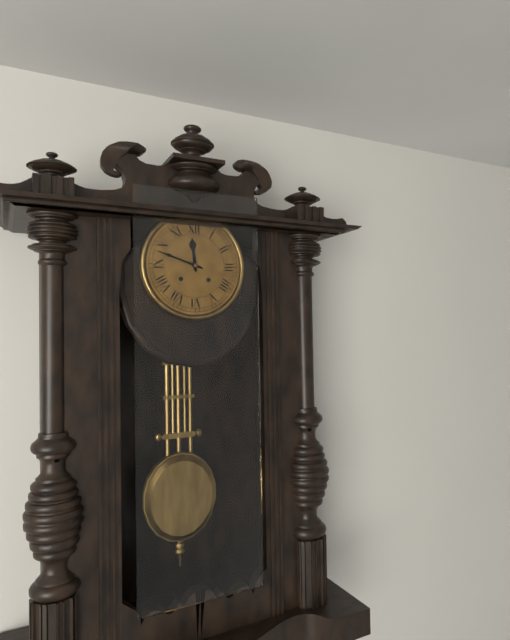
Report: 11 h 48 min
